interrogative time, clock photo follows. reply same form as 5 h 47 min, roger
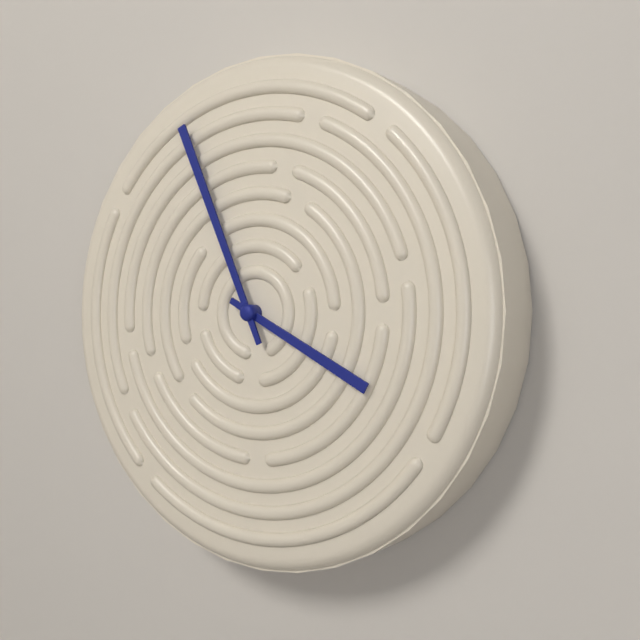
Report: 3 h 56 min
